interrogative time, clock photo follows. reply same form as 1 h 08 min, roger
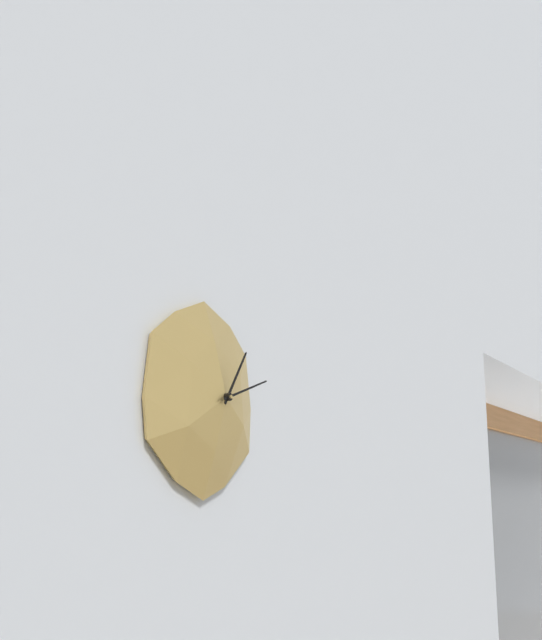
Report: 1 h 12 min
